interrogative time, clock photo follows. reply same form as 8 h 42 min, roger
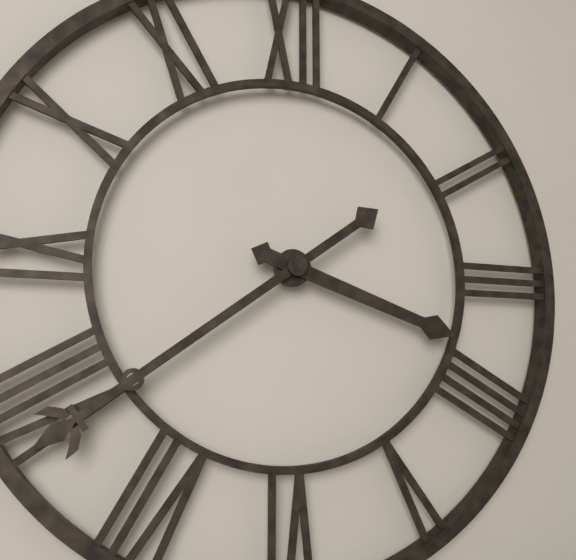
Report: 3 h 39 min
